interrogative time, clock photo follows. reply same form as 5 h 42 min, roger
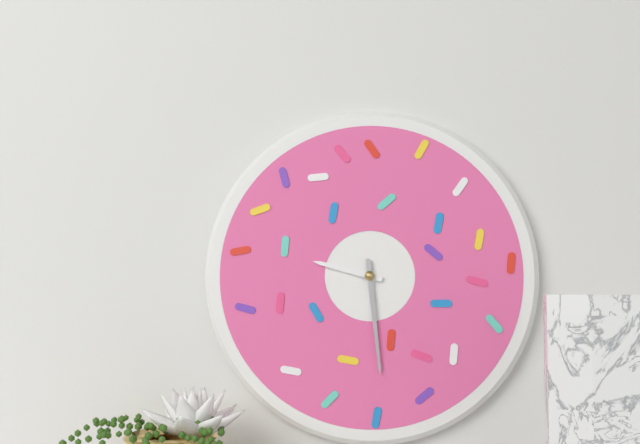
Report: 9 h 29 min
